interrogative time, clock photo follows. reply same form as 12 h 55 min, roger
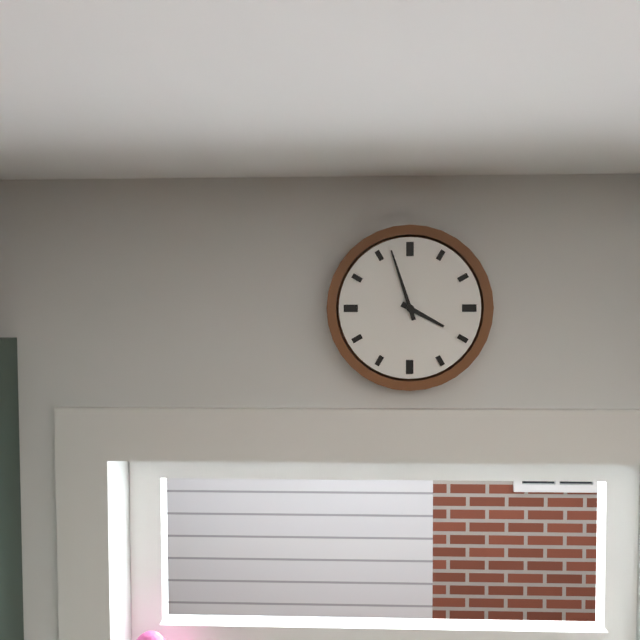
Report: 3 h 57 min
